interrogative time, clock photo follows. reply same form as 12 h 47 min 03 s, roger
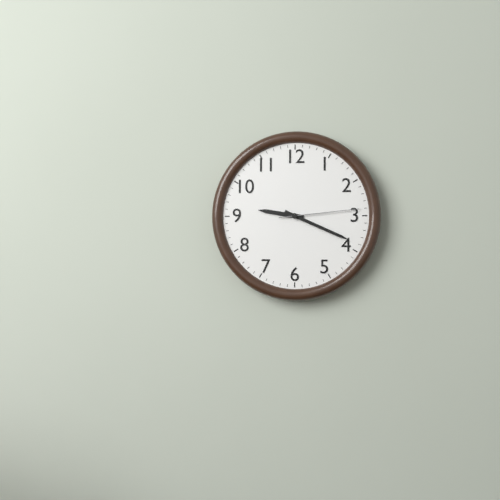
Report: 9 h 19 min 14 s
